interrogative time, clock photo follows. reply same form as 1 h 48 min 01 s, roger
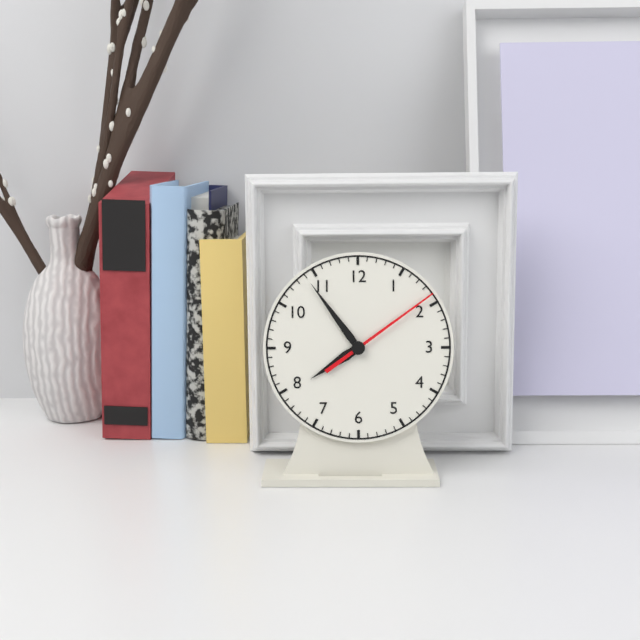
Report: 7 h 54 min 09 s
